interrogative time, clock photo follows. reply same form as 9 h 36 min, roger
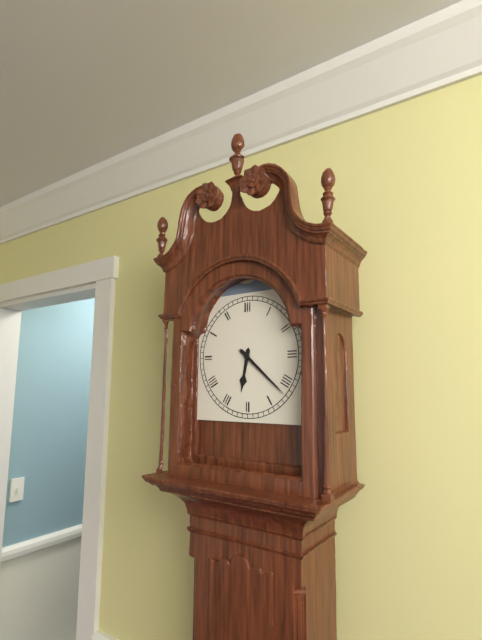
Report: 6 h 22 min
